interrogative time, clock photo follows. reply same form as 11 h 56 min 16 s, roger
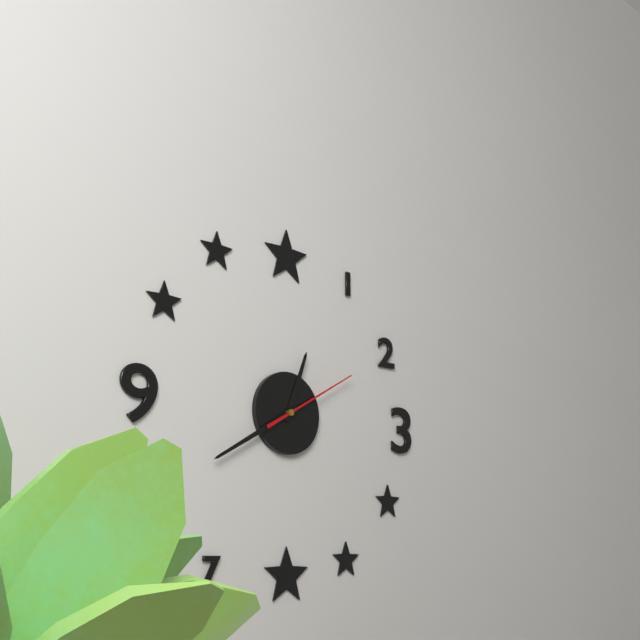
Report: 12 h 40 min 10 s
